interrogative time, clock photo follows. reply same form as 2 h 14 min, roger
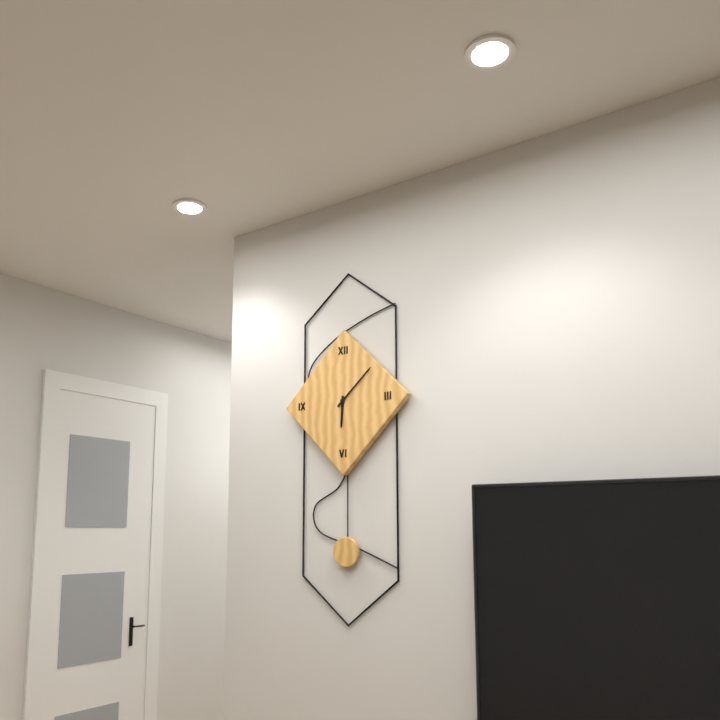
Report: 6 h 08 min
